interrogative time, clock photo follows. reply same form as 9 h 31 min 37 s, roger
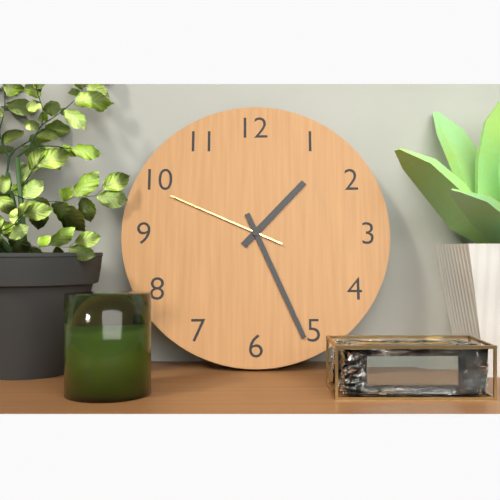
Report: 1 h 26 min 49 s
